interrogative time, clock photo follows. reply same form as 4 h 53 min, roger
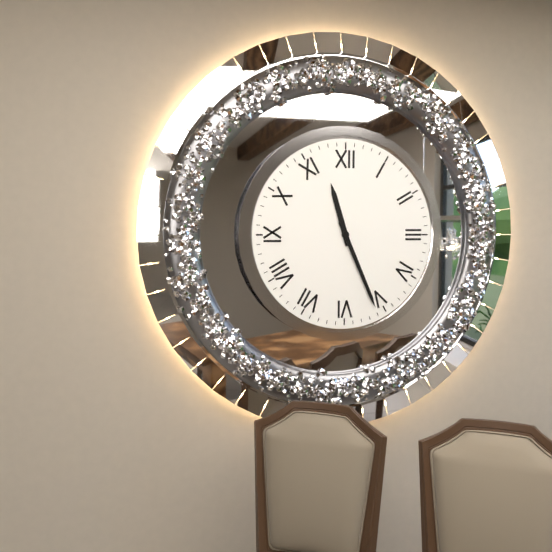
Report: 11 h 26 min
